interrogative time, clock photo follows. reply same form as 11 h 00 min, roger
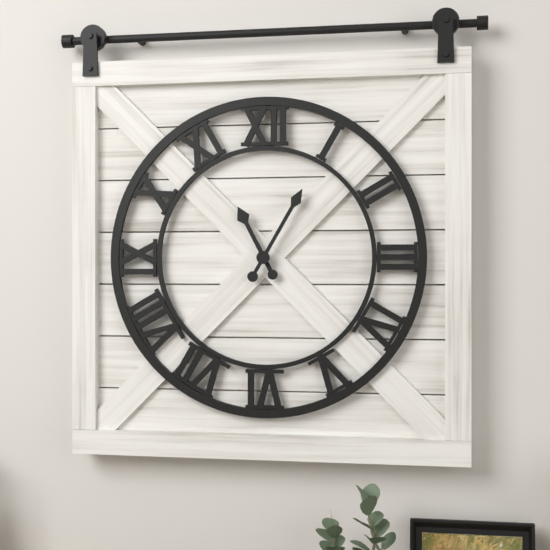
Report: 11 h 05 min
